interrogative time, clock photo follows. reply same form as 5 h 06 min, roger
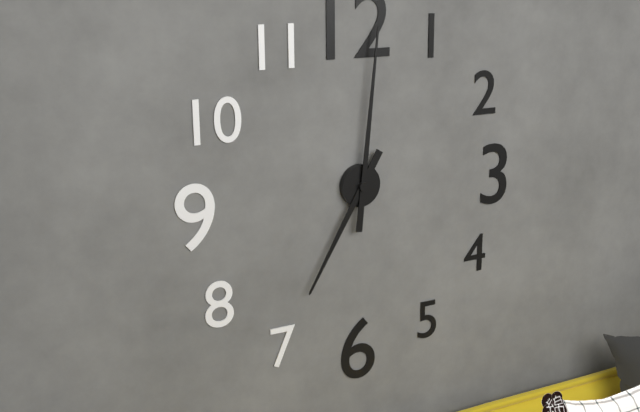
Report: 7 h 01 min
